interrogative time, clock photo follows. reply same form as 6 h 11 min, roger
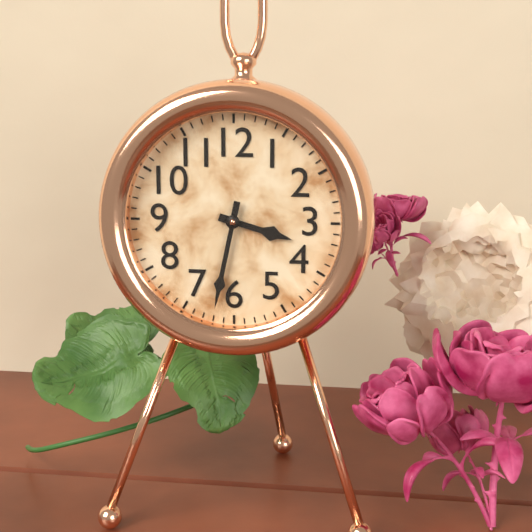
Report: 3 h 32 min
